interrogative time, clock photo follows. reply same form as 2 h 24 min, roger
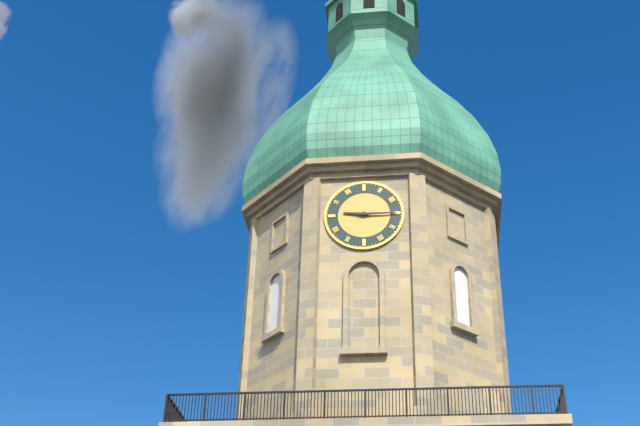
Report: 9 h 15 min
